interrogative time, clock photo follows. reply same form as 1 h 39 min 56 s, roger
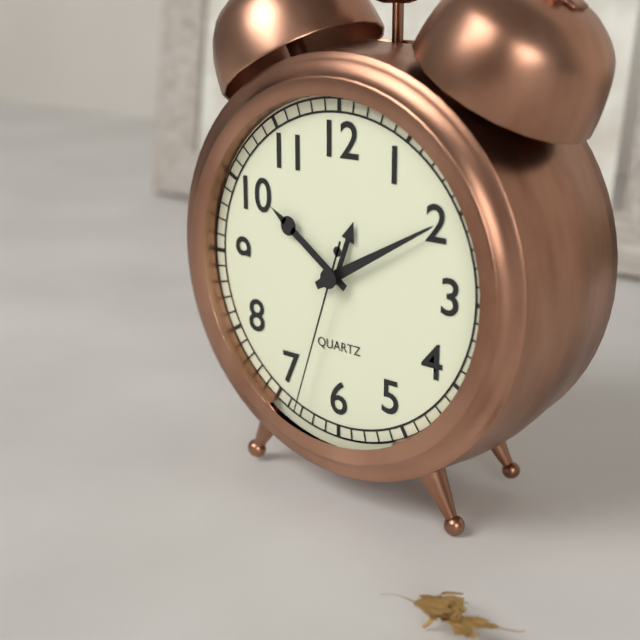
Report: 10 h 10 min 33 s
